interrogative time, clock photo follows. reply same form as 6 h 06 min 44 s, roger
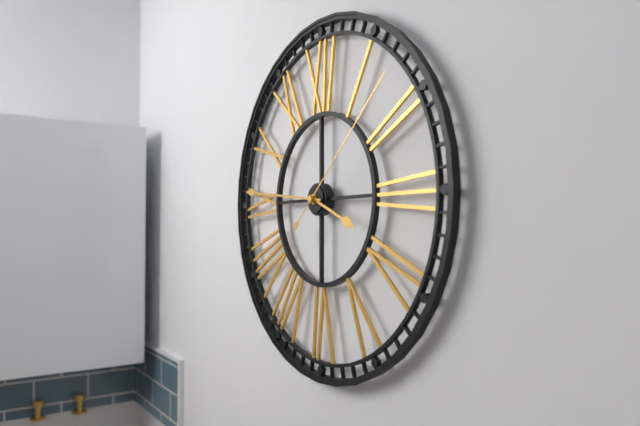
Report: 3 h 46 min 08 s
